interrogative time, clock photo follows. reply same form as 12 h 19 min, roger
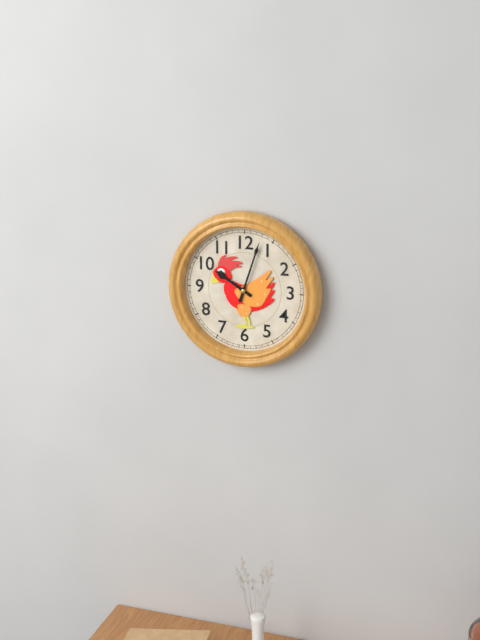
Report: 10 h 03 min
